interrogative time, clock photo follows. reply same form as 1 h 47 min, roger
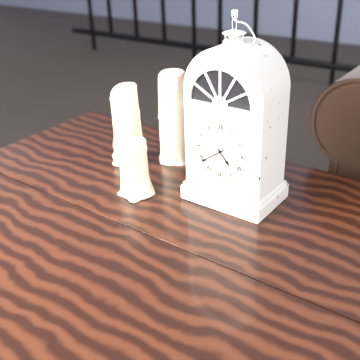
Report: 4 h 39 min
